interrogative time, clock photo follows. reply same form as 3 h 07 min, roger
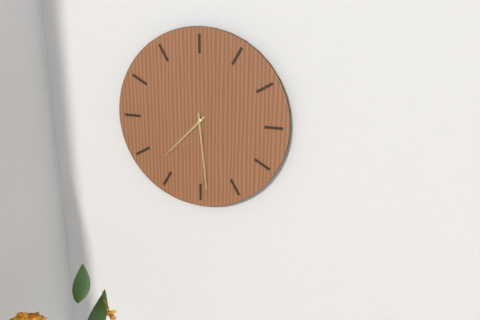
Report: 7 h 29 min
